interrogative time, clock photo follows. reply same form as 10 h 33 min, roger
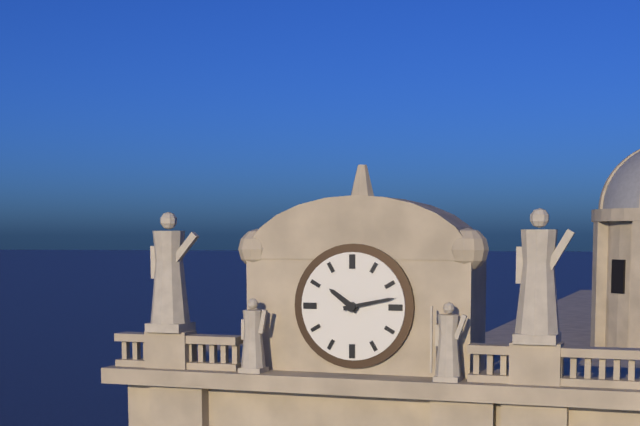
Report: 10 h 13 min
